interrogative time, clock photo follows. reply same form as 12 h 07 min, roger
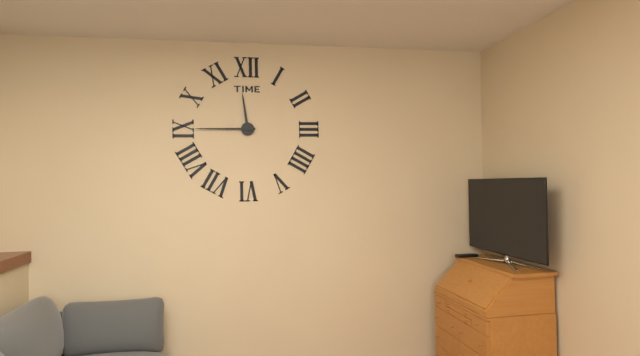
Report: 11 h 45 min
